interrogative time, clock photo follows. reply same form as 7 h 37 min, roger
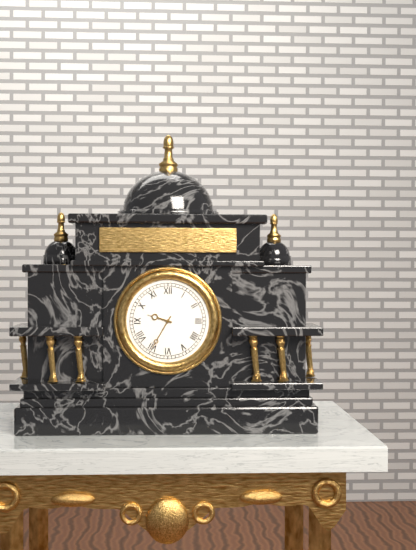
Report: 9 h 35 min
